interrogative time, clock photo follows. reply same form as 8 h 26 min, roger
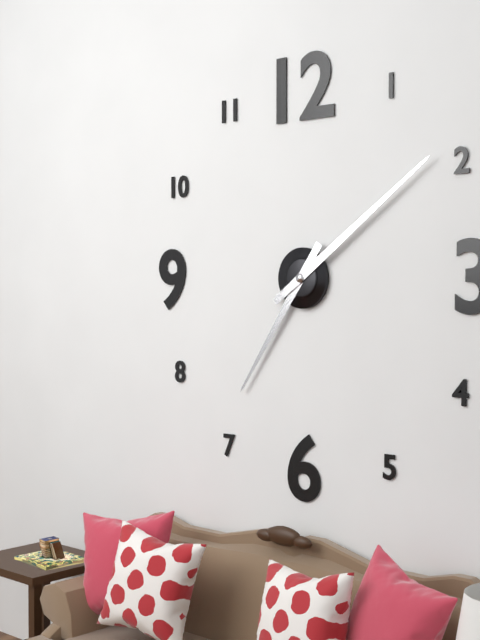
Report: 7 h 09 min
